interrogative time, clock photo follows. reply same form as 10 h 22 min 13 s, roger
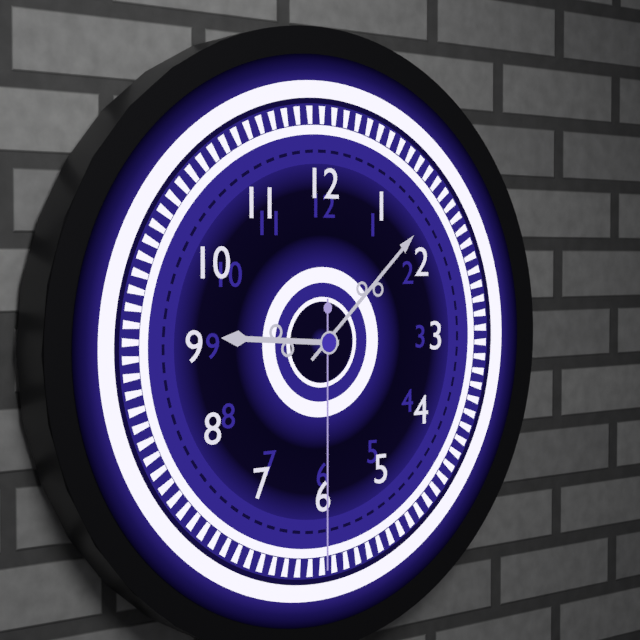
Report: 9 h 08 min 30 s
